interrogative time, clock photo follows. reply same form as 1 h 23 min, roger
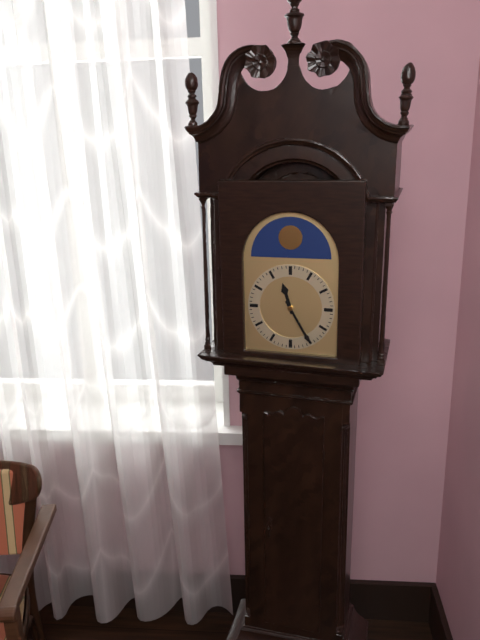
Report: 11 h 25 min
